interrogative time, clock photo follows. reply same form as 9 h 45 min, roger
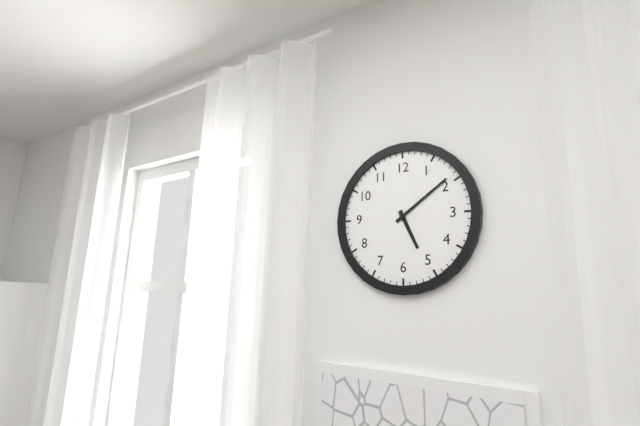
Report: 5 h 09 min
